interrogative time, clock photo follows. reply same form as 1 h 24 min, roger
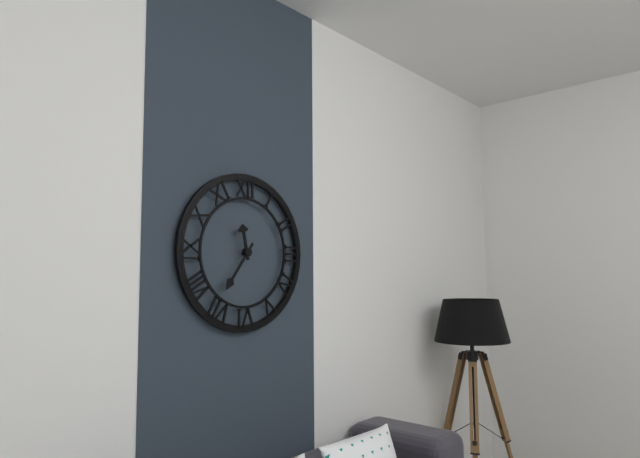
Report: 11 h 36 min
